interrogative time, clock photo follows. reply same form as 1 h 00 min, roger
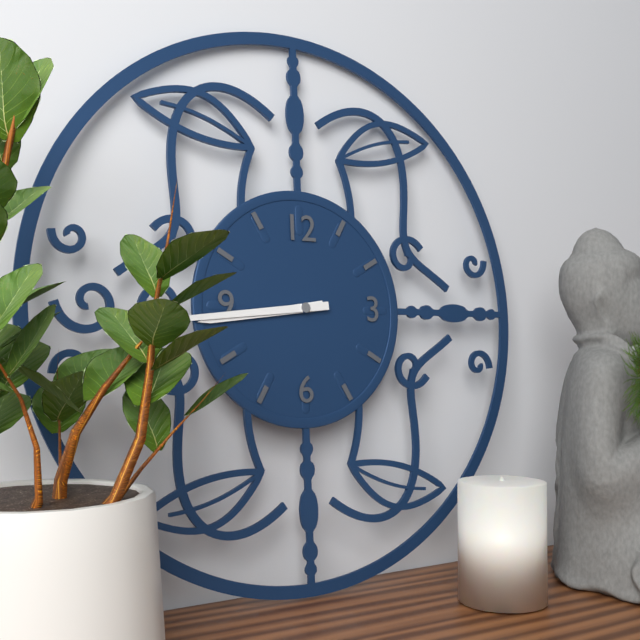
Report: 8 h 44 min
